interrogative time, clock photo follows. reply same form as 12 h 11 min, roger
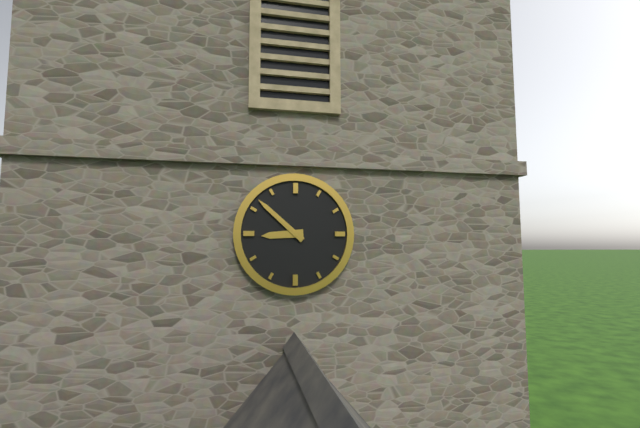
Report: 8 h 52 min
